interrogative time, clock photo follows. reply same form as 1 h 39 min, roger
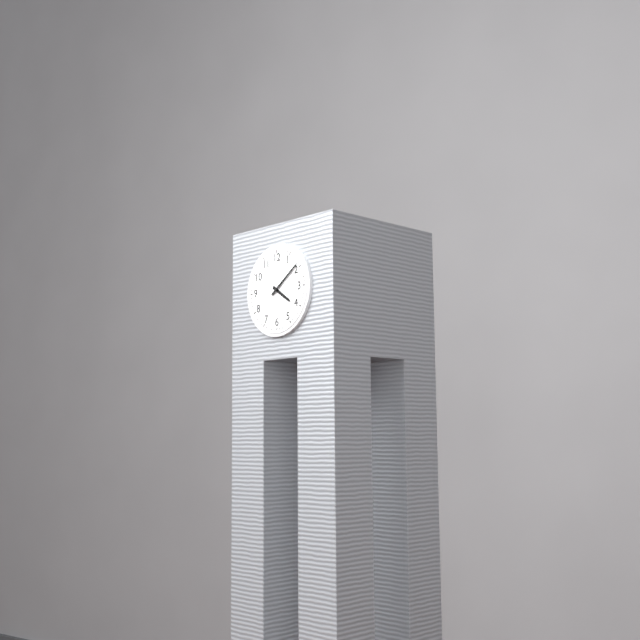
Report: 4 h 09 min
